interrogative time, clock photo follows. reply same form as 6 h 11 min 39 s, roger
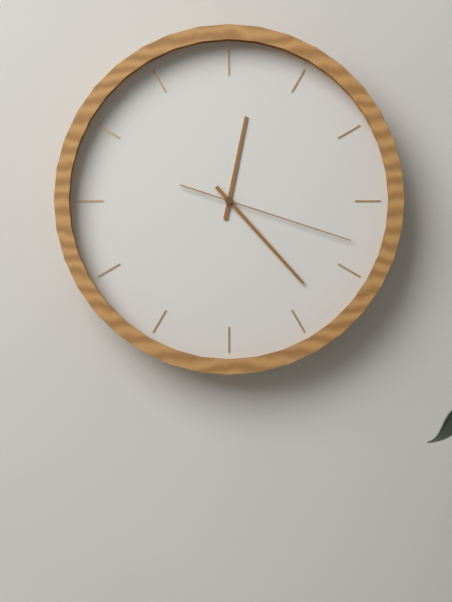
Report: 12 h 23 min 18 s
